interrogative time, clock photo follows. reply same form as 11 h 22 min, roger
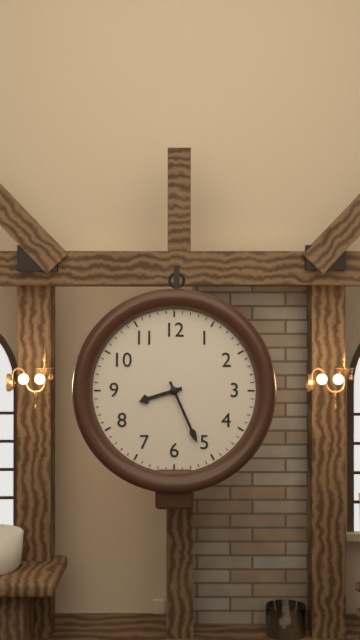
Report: 8 h 26 min
